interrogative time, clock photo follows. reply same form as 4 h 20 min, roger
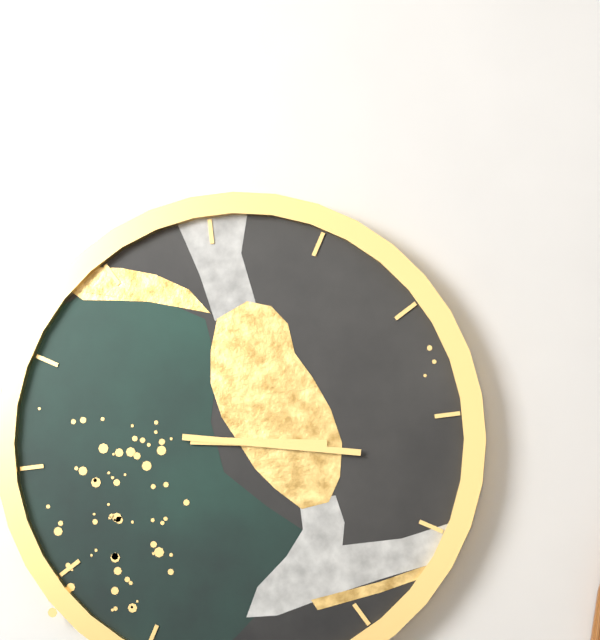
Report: 3 h 17 min
